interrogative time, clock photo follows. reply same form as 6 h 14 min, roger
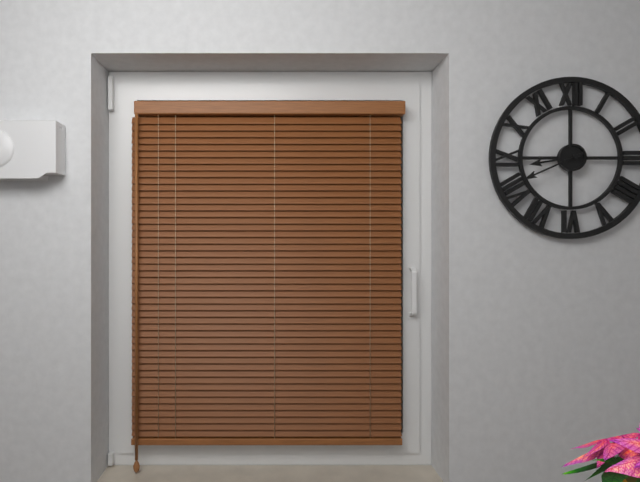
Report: 8 h 41 min
